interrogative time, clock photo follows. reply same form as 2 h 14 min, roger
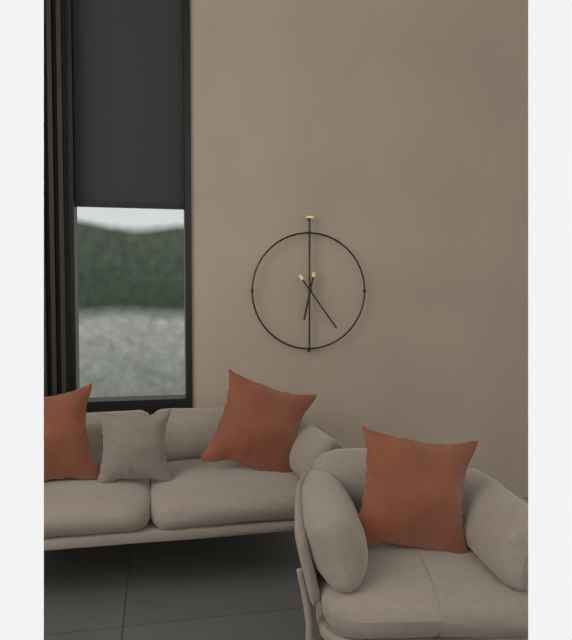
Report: 6 h 24 min
